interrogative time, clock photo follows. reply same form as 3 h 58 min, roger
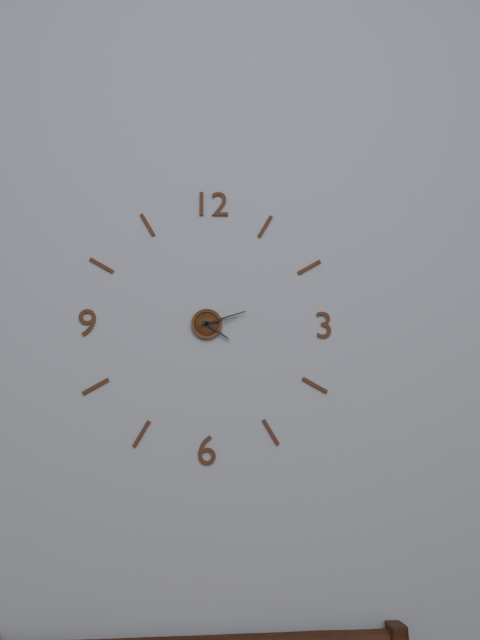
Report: 4 h 12 min
